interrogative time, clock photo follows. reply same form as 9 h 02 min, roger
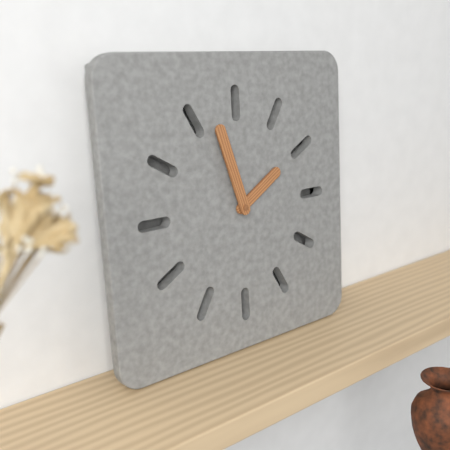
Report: 1 h 57 min
